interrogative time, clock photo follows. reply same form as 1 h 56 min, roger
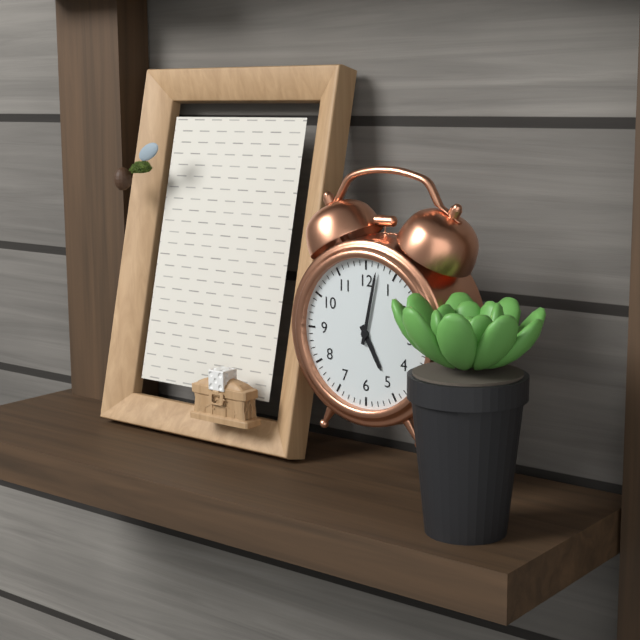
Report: 5 h 02 min
